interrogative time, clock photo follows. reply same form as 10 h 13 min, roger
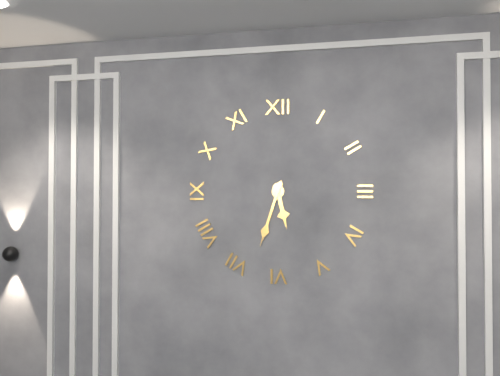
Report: 5 h 33 min
